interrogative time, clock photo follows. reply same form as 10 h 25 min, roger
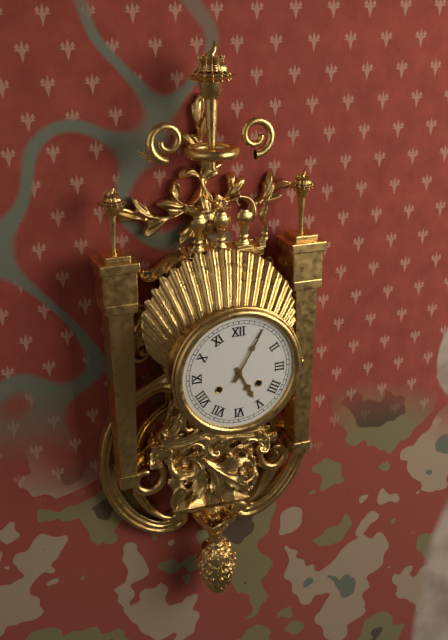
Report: 5 h 05 min
